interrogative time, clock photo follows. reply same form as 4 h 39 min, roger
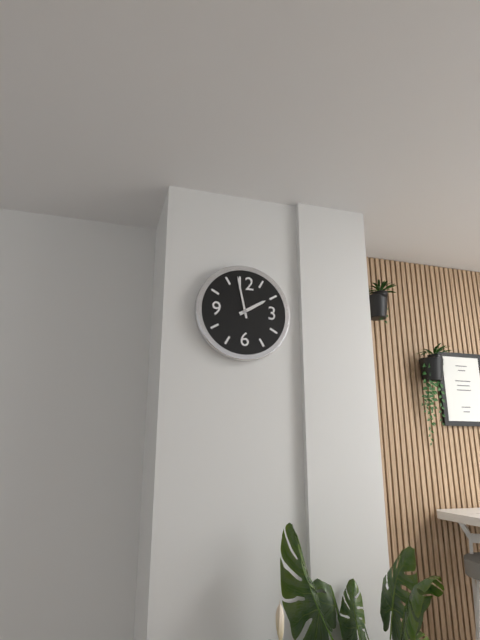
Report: 1 h 58 min
